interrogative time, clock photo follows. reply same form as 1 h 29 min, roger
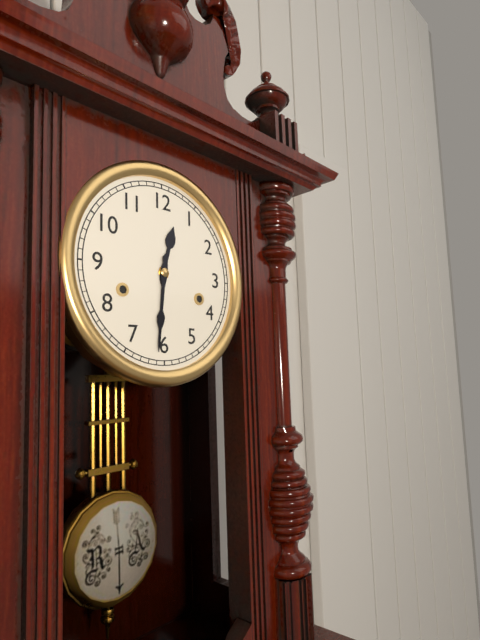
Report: 12 h 31 min
